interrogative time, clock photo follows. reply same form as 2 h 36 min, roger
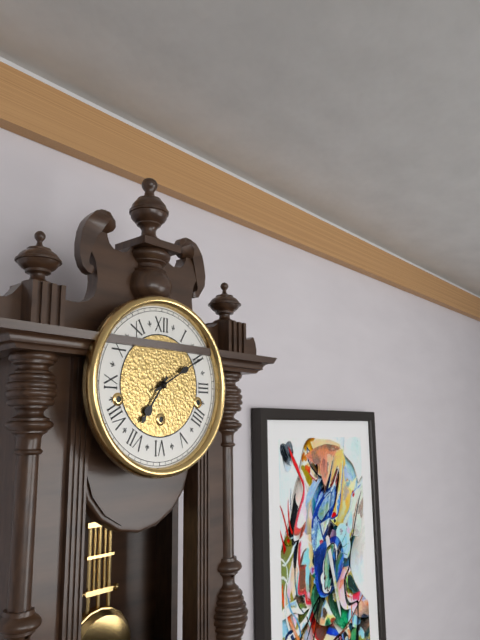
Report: 7 h 10 min
